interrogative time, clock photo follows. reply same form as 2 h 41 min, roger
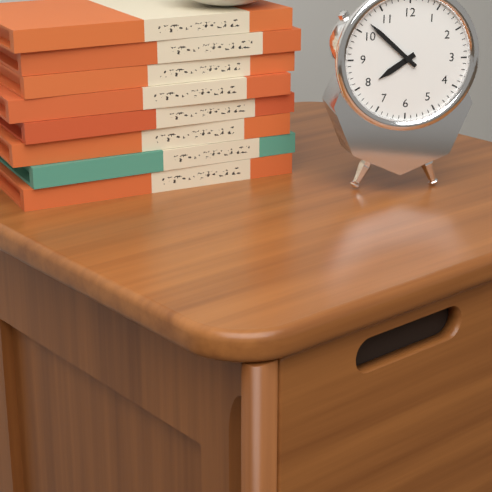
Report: 7 h 52 min
